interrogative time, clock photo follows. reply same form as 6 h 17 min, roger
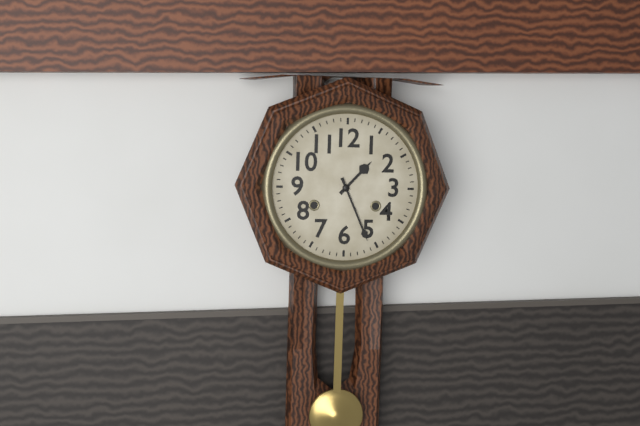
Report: 1 h 26 min
